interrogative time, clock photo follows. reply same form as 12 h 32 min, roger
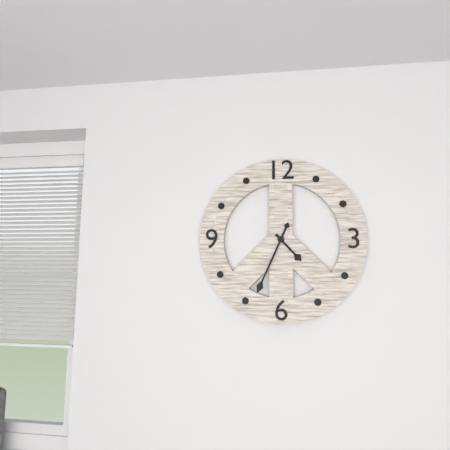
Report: 4 h 34 min
